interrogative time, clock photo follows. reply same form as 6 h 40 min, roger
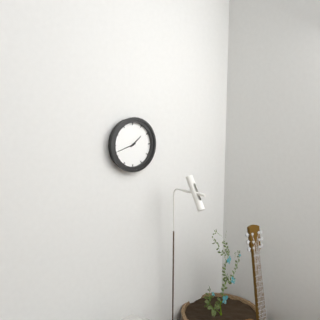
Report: 1 h 42 min
